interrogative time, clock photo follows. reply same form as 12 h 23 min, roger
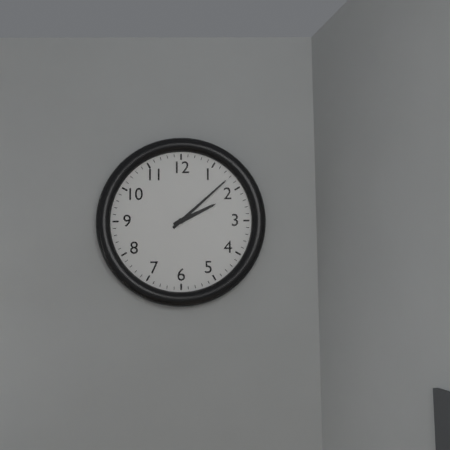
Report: 2 h 08 min
